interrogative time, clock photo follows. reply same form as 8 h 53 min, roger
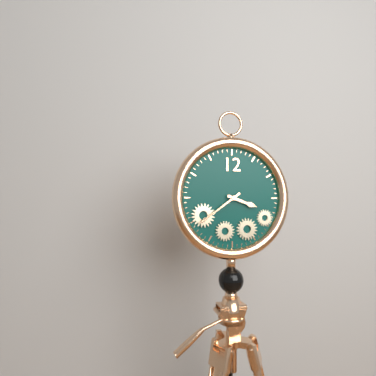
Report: 3 h 39 min
